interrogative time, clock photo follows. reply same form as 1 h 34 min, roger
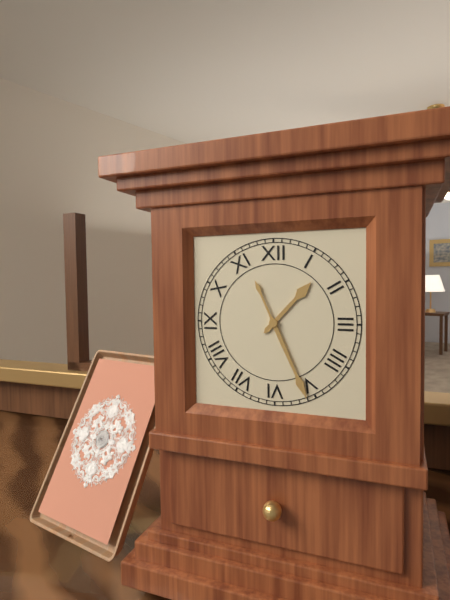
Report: 1 h 26 min
